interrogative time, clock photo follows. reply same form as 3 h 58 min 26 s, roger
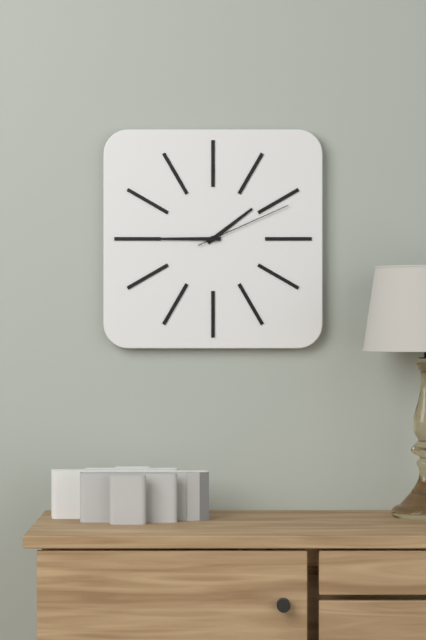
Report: 1 h 45 min 11 s
